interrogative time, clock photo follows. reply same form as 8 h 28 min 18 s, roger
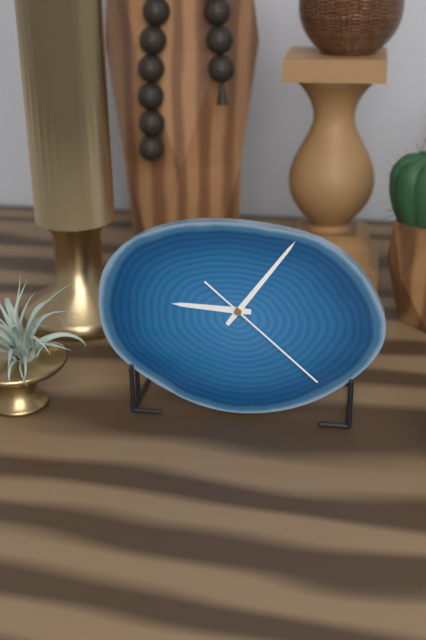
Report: 9 h 06 min 22 s
